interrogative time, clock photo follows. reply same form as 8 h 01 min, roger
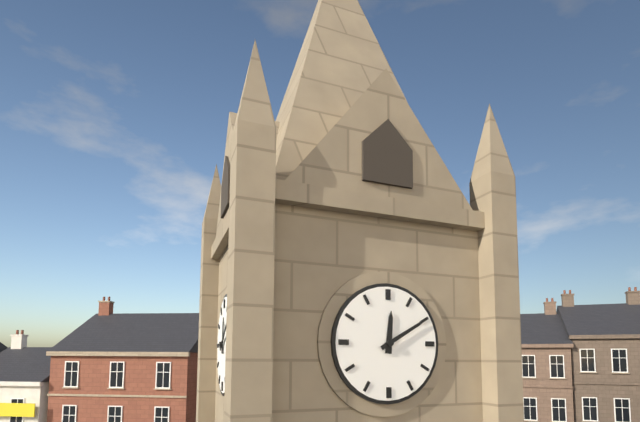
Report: 12 h 10 min
